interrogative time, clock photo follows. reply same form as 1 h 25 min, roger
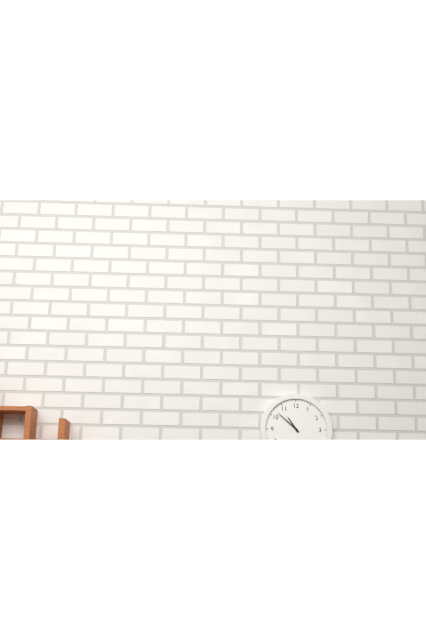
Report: 10 h 52 min
